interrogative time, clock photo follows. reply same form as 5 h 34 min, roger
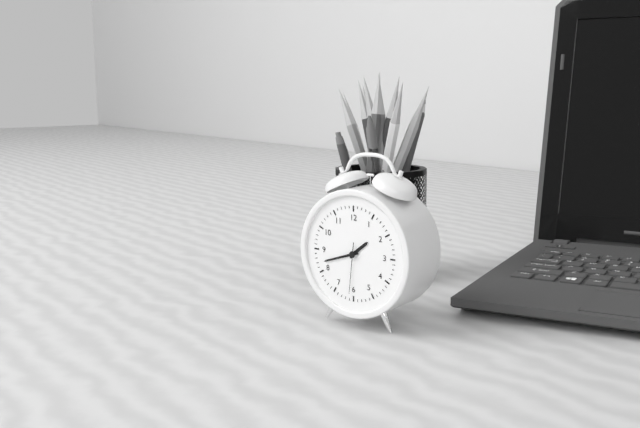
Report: 1 h 42 min
